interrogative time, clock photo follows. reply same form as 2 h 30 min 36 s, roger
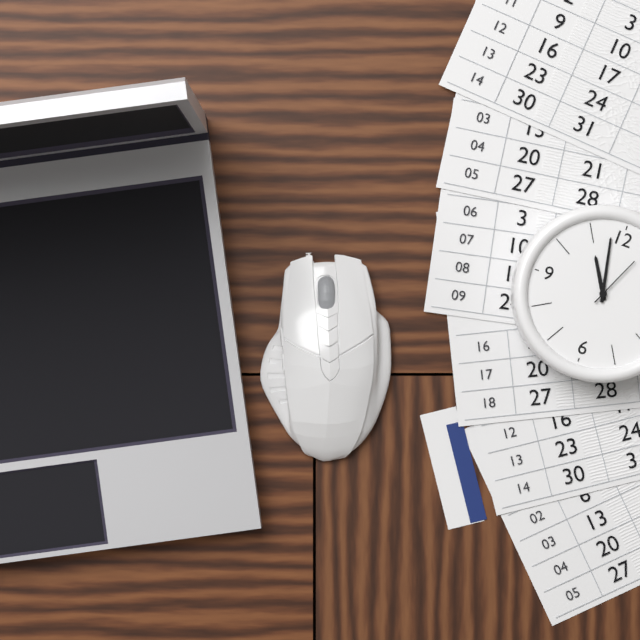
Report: 10 h 58 min 04 s
